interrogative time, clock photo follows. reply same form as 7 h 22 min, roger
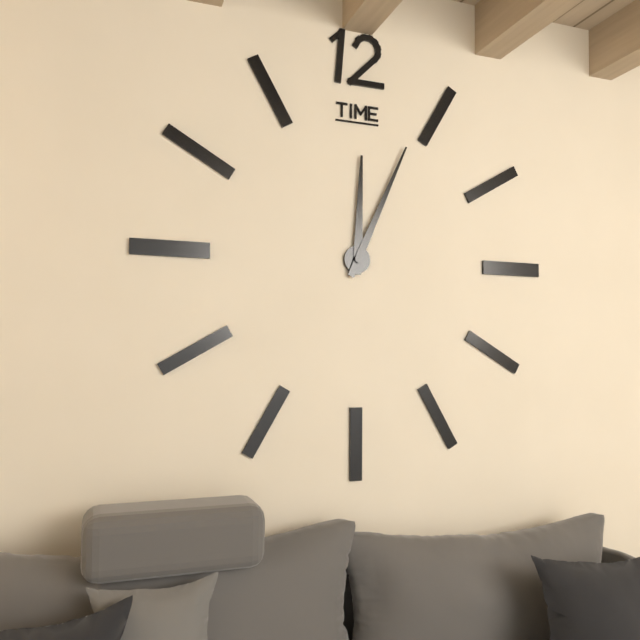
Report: 12 h 04 min
